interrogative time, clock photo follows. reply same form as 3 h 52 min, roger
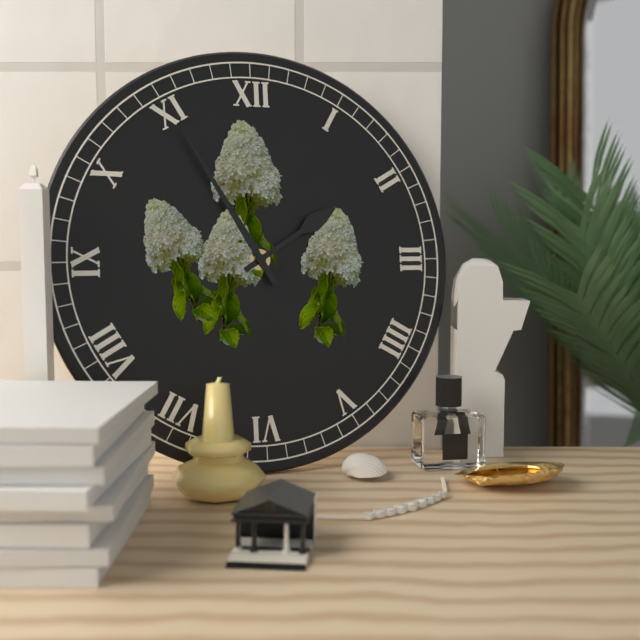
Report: 1 h 55 min
